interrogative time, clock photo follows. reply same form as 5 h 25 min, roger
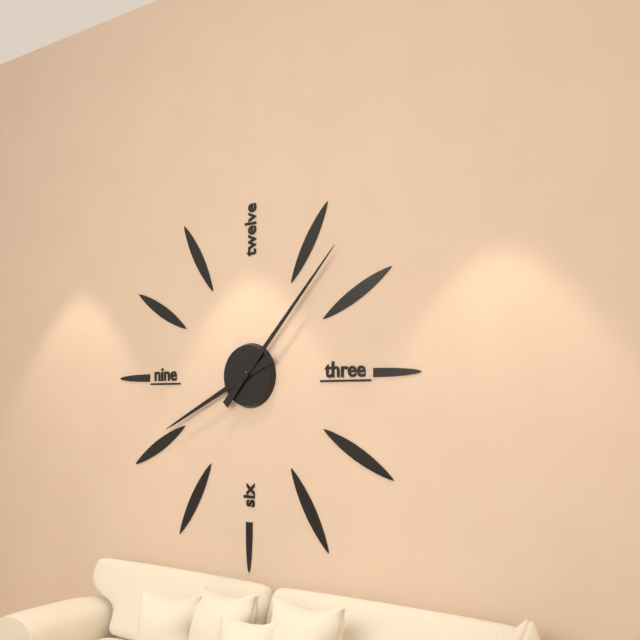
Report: 8 h 07 min
